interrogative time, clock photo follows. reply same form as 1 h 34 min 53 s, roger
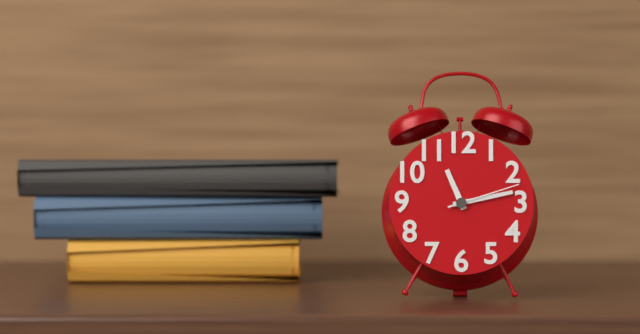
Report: 11 h 13 min 12 s
